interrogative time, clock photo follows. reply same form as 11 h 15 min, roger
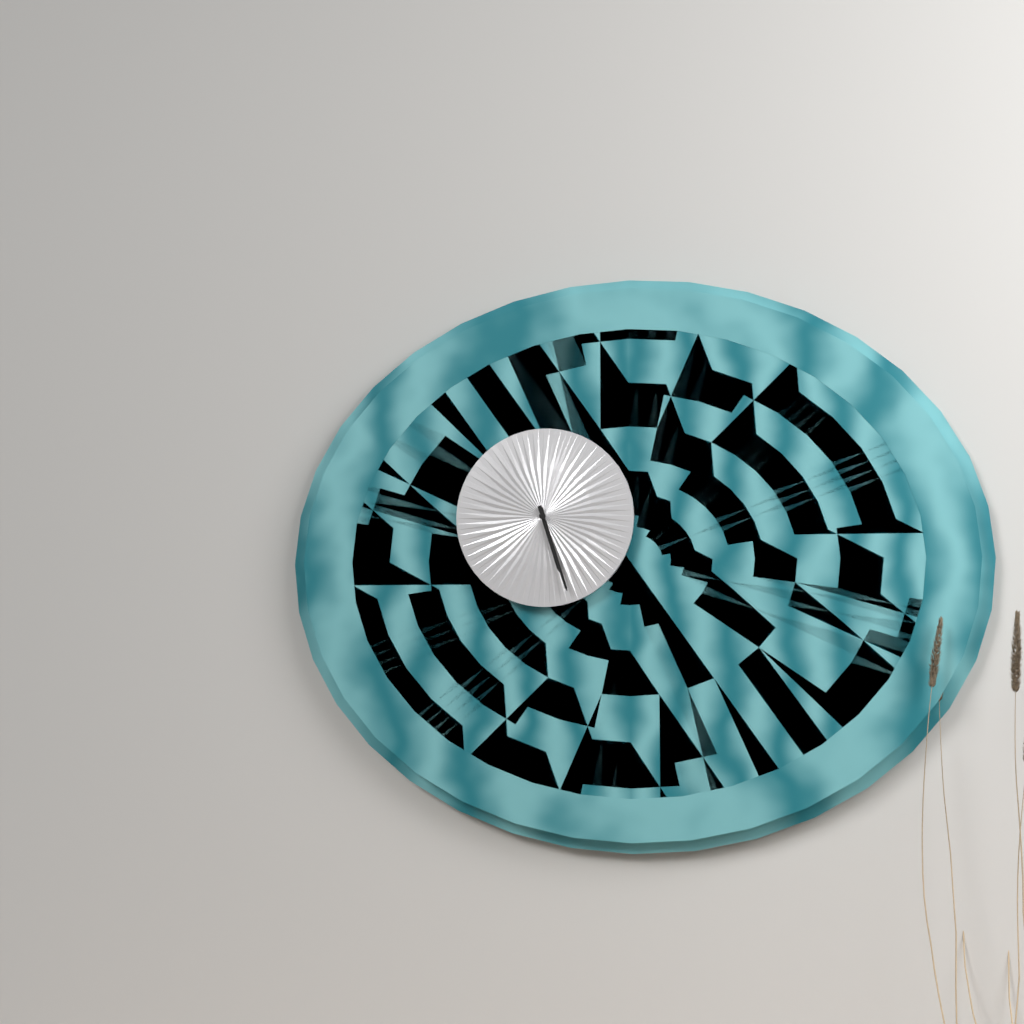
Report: 5 h 27 min
